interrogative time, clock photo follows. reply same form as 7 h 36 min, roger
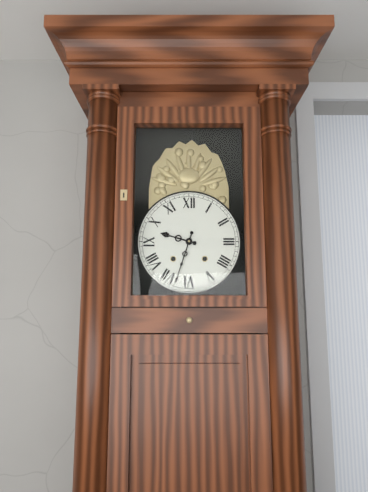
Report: 9 h 33 min
